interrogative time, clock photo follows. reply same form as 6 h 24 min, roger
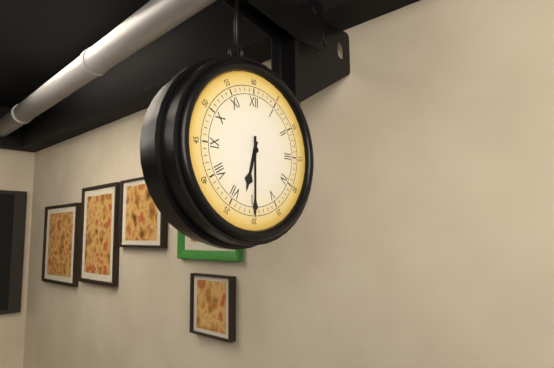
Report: 6 h 30 min
